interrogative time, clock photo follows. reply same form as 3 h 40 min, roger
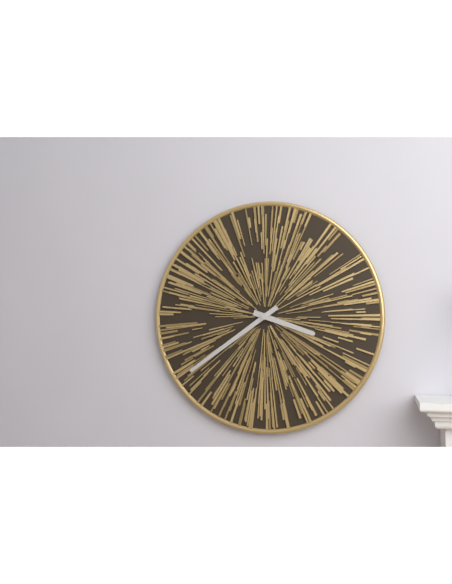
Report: 3 h 39 min
